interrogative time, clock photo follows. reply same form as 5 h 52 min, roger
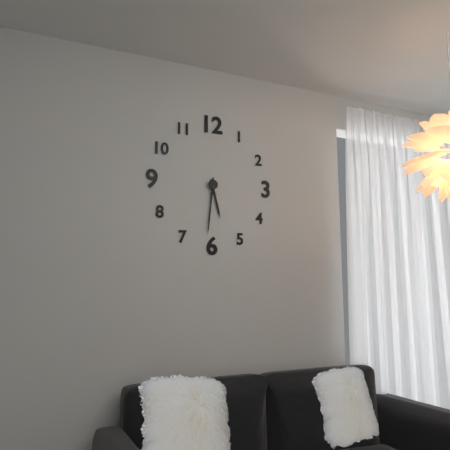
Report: 5 h 31 min
